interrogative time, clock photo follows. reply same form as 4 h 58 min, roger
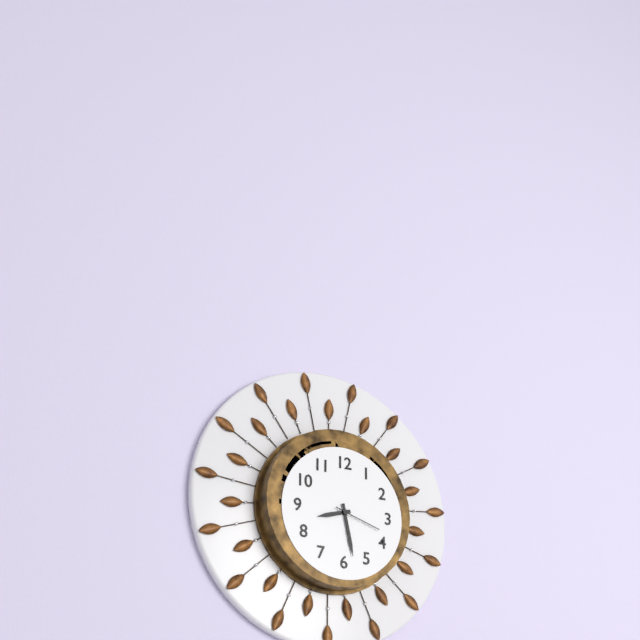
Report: 8 h 28 min
